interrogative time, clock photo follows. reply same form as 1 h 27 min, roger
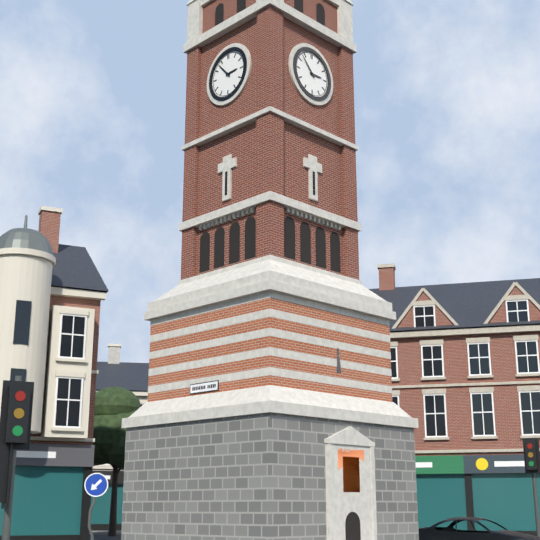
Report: 2 h 53 min
